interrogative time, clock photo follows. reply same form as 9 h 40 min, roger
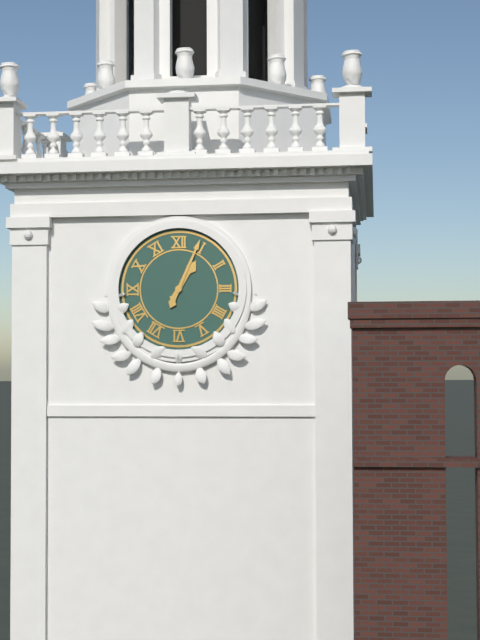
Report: 1 h 04 min
